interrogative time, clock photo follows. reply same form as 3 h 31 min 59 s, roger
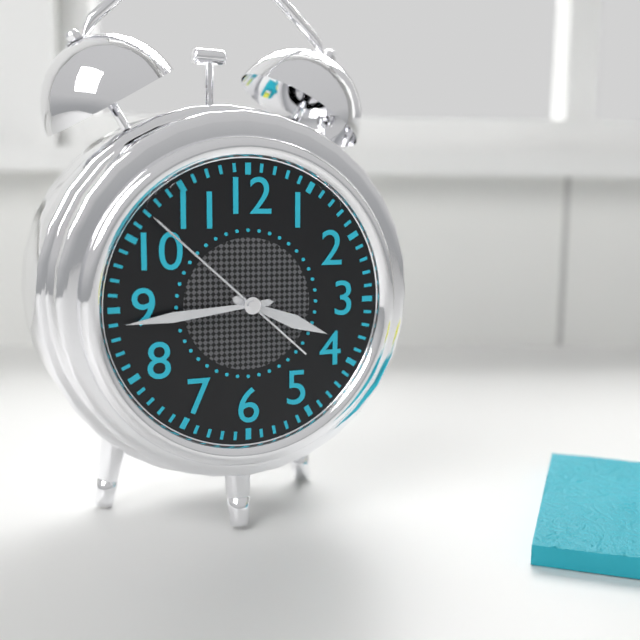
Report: 3 h 44 min 52 s
